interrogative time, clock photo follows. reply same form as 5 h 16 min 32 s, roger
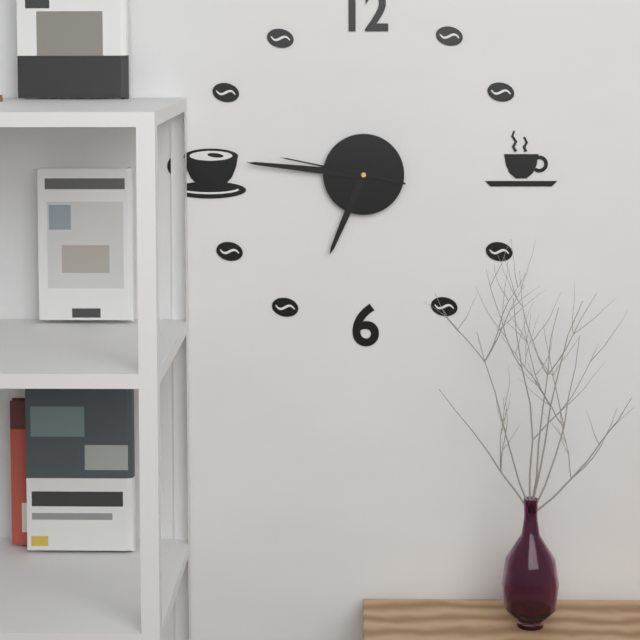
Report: 6 h 46 min 47 s
